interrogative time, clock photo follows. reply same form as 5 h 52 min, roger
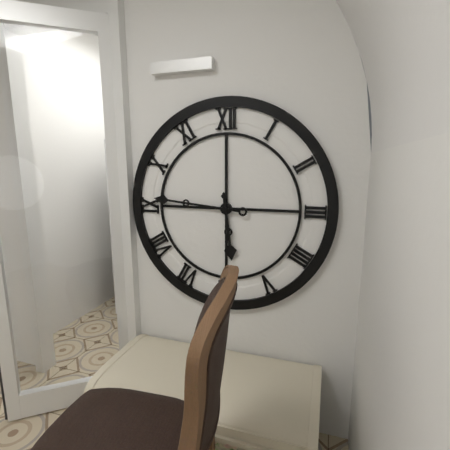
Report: 5 h 46 min
